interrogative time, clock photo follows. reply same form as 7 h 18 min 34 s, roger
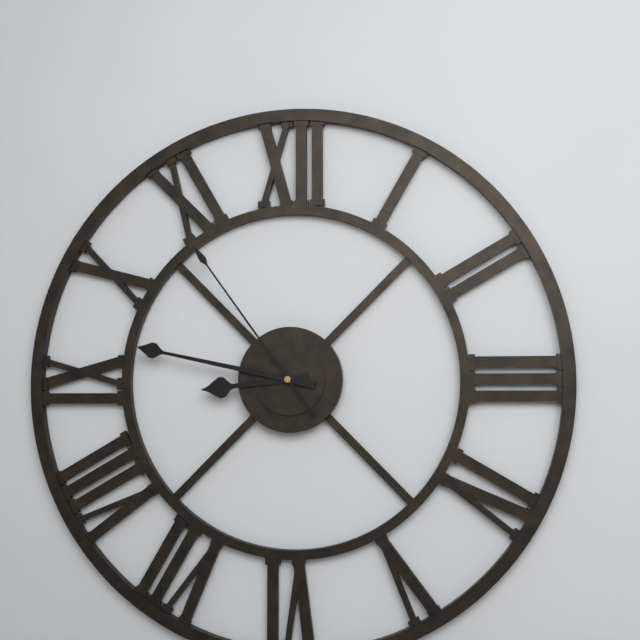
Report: 8 h 47 min 54 s
